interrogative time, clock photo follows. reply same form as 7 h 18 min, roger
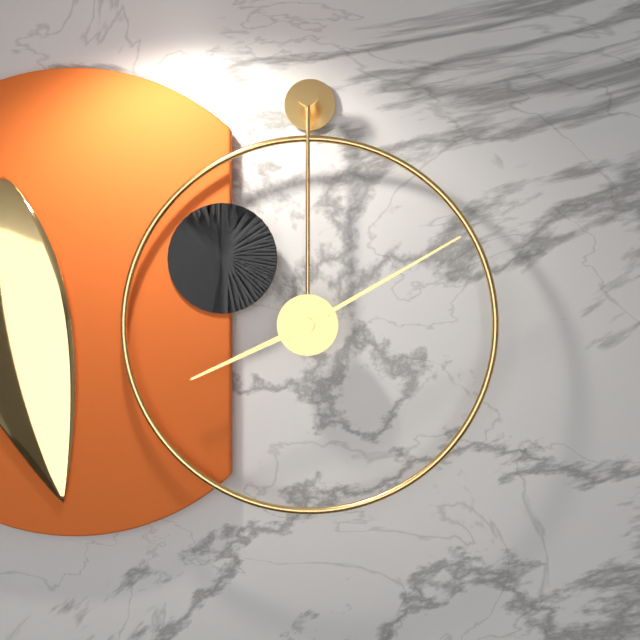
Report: 8 h 10 min
